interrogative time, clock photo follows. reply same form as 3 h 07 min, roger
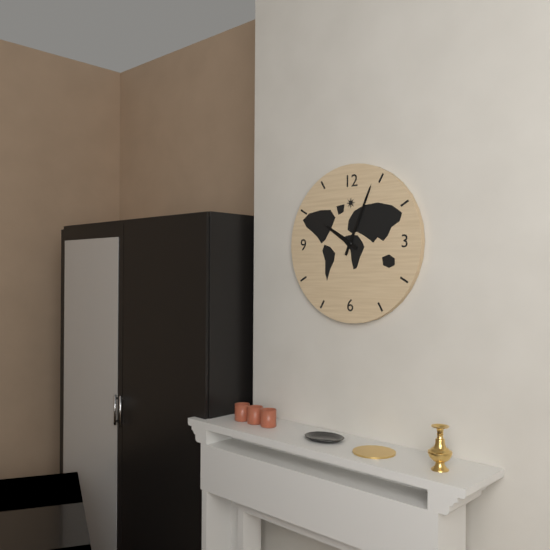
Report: 10 h 04 min
